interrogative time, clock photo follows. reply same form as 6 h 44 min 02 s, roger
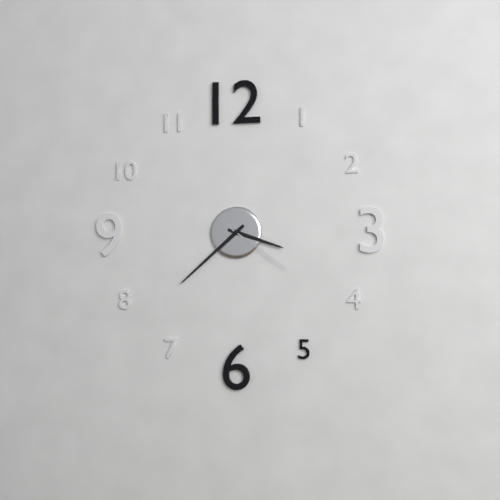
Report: 3 h 38 min 21 s
